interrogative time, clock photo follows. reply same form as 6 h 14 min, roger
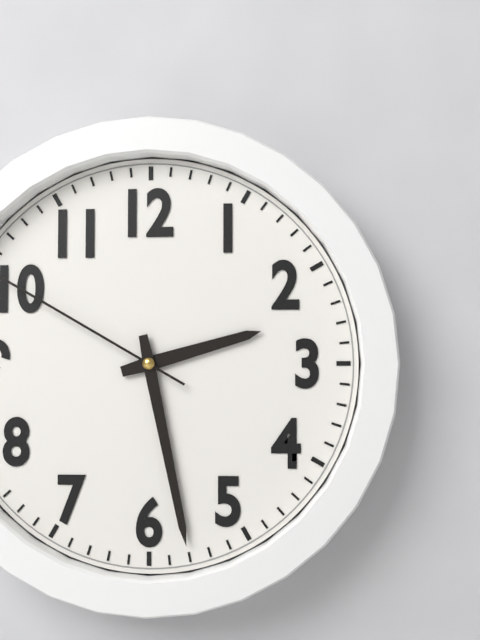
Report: 2 h 28 min
